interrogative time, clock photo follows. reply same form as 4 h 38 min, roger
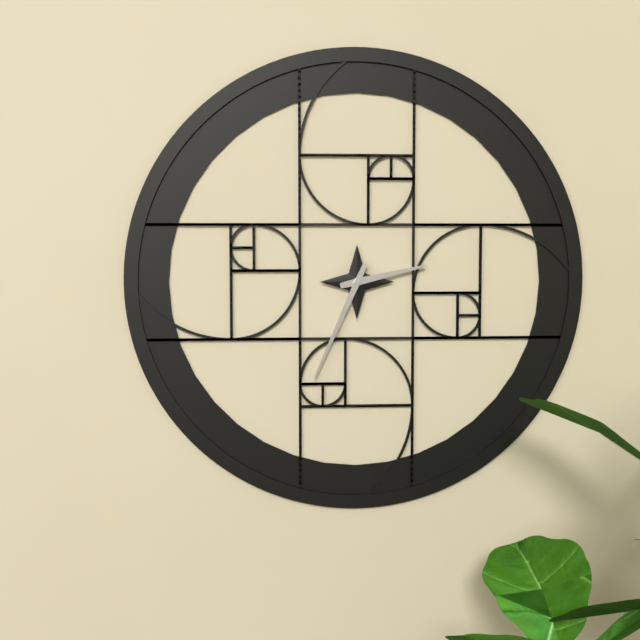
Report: 2 h 34 min
